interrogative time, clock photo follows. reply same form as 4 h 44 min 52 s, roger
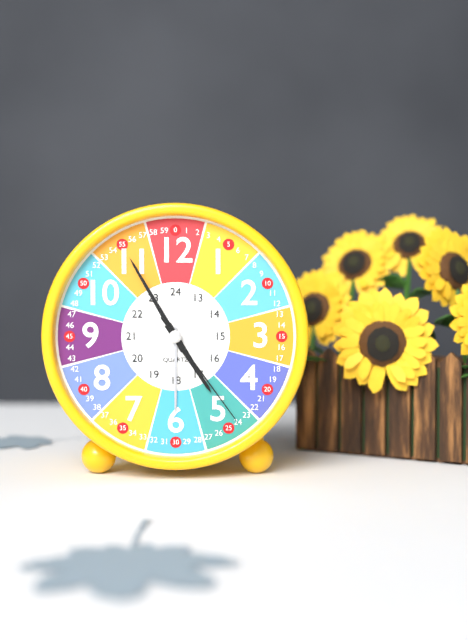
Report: 4 h 55 min 24 s
